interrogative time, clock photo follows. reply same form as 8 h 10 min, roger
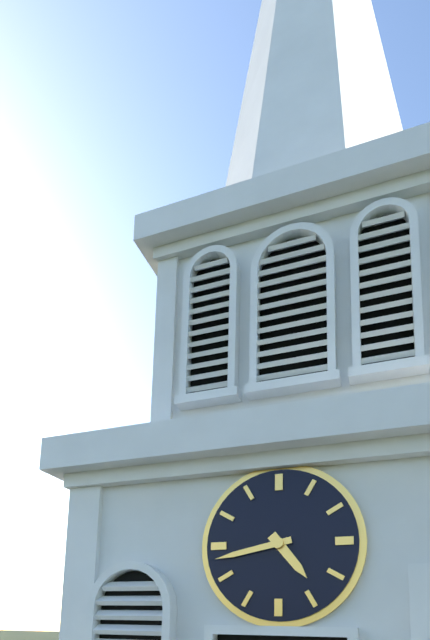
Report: 4 h 43 min
